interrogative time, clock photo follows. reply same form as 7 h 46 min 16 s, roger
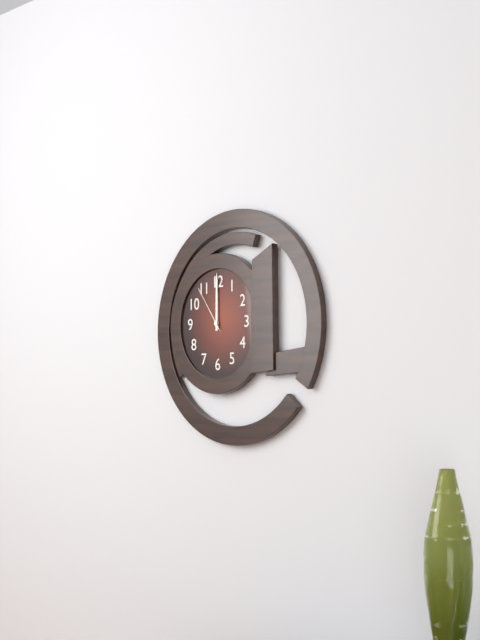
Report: 12 h 00 min 54 s
